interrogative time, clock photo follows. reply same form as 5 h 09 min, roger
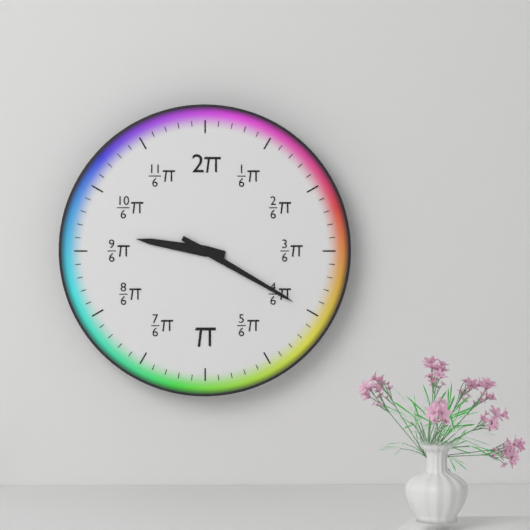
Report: 9 h 20 min
